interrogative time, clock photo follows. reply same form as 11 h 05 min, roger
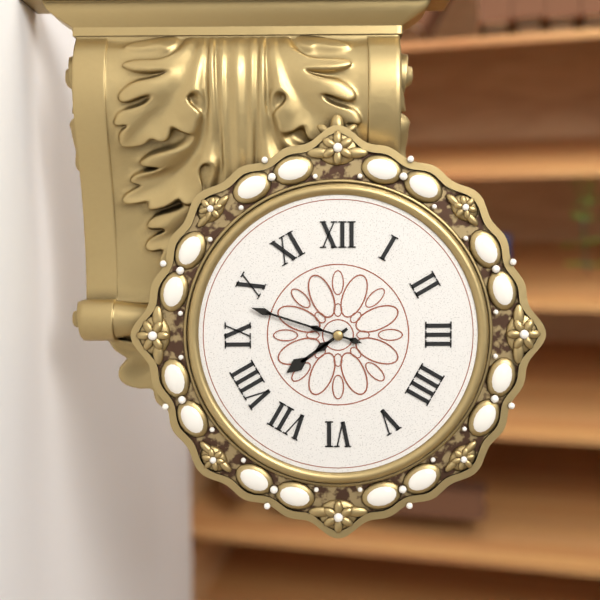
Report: 7 h 48 min
